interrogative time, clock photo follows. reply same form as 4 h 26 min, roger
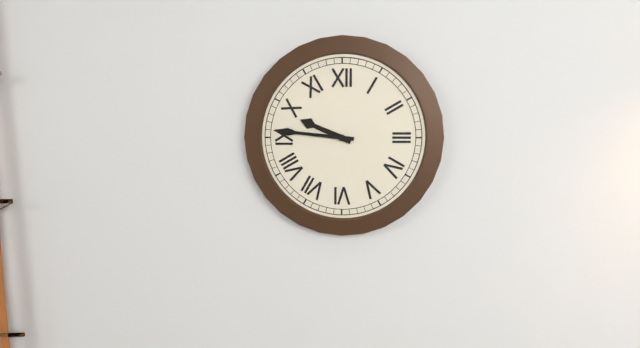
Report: 9 h 46 min
